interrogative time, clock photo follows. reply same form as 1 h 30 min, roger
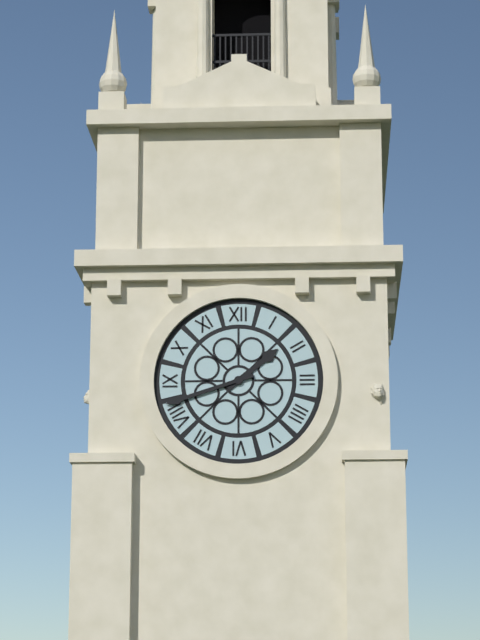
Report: 1 h 42 min
